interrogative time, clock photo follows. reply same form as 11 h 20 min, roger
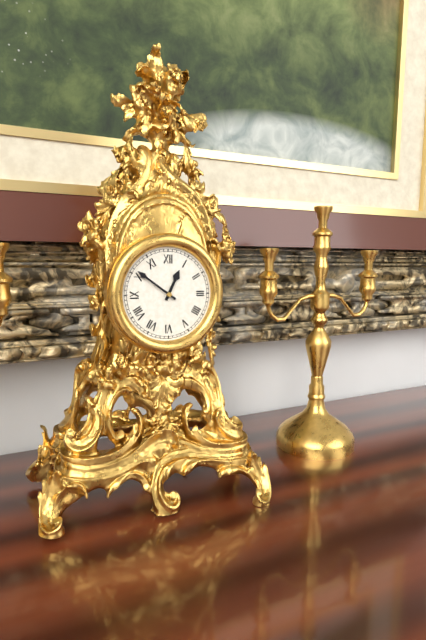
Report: 12 h 51 min
